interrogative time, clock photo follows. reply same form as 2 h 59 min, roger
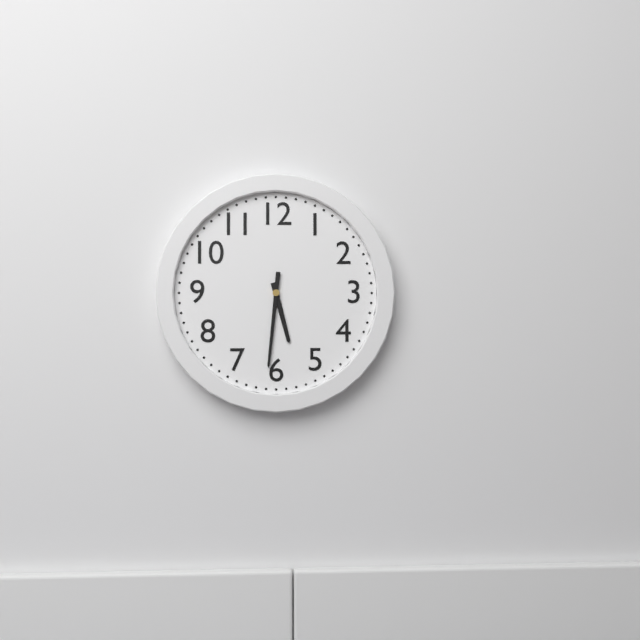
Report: 5 h 31 min
